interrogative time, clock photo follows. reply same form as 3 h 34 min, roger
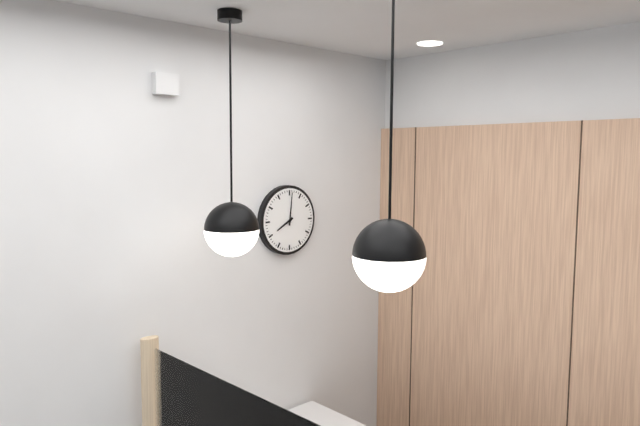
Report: 8 h 01 min
